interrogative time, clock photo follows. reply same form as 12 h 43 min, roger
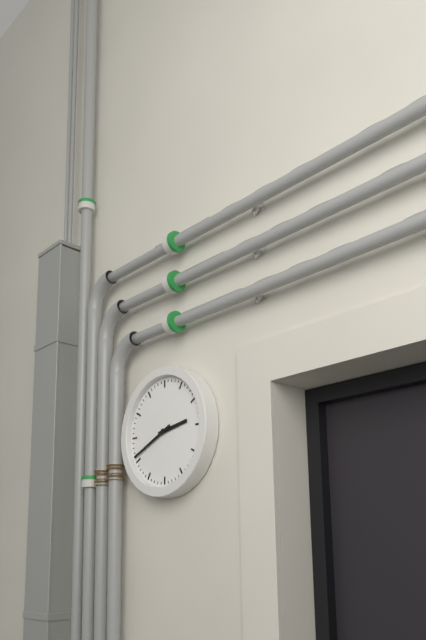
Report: 2 h 41 min
